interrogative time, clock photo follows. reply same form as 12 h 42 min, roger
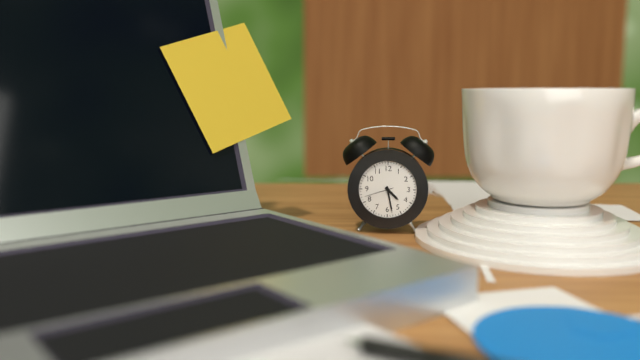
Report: 4 h 28 min
